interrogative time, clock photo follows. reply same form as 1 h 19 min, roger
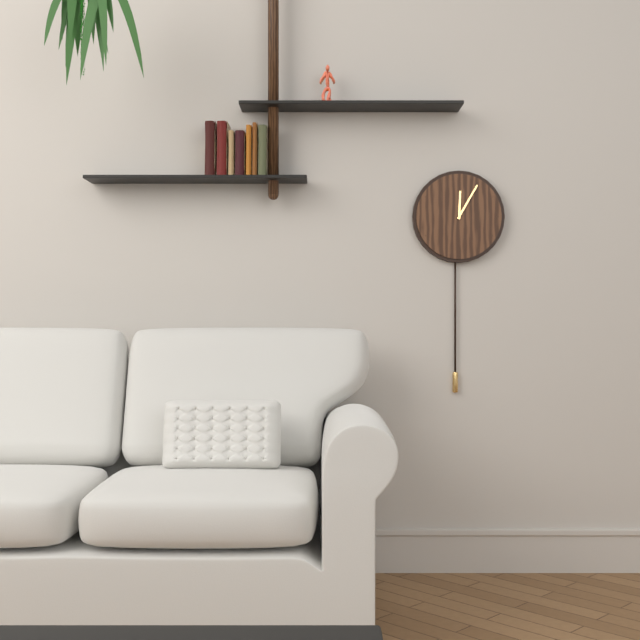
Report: 12 h 05 min
